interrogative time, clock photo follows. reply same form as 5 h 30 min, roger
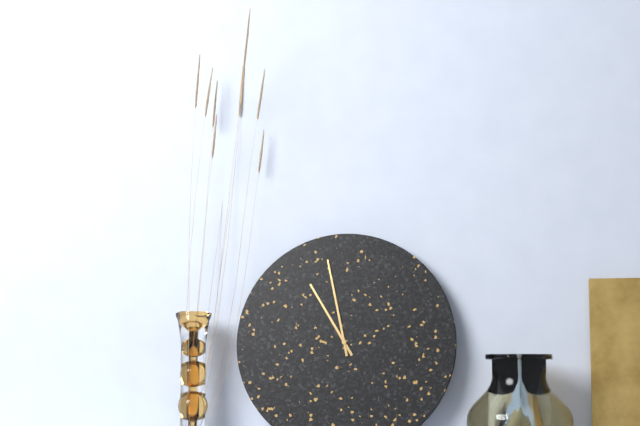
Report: 10 h 58 min
